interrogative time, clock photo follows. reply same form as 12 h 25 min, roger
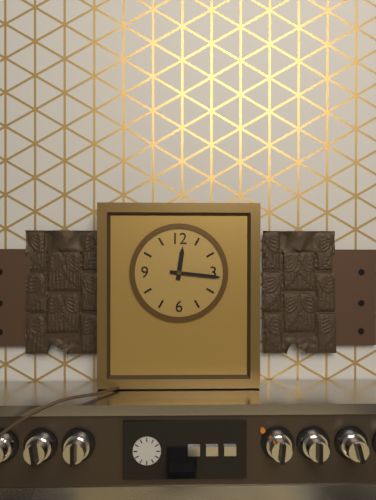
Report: 12 h 16 min
